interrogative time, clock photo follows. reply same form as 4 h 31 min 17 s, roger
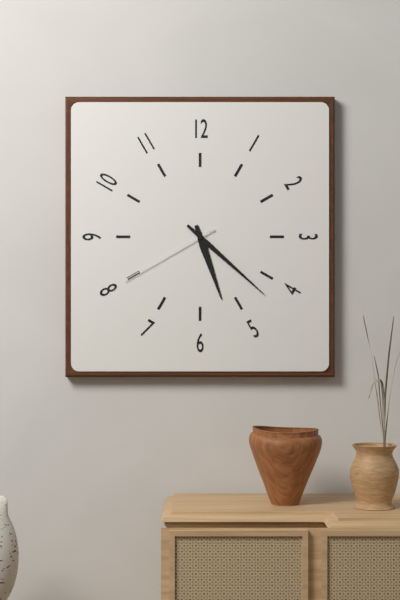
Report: 5 h 22 min 40 s
